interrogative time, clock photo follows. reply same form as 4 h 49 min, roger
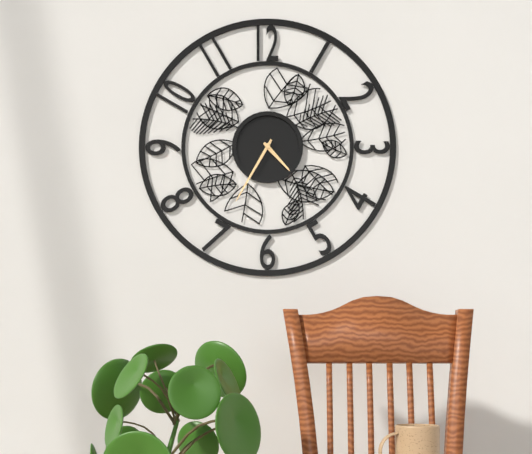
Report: 4 h 35 min
